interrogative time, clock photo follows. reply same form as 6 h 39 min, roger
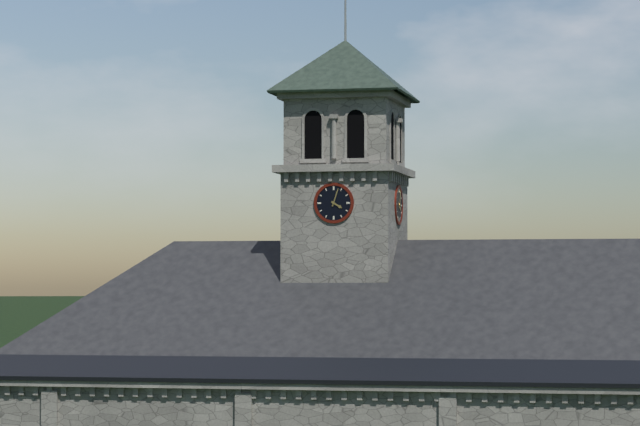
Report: 4 h 03 min
